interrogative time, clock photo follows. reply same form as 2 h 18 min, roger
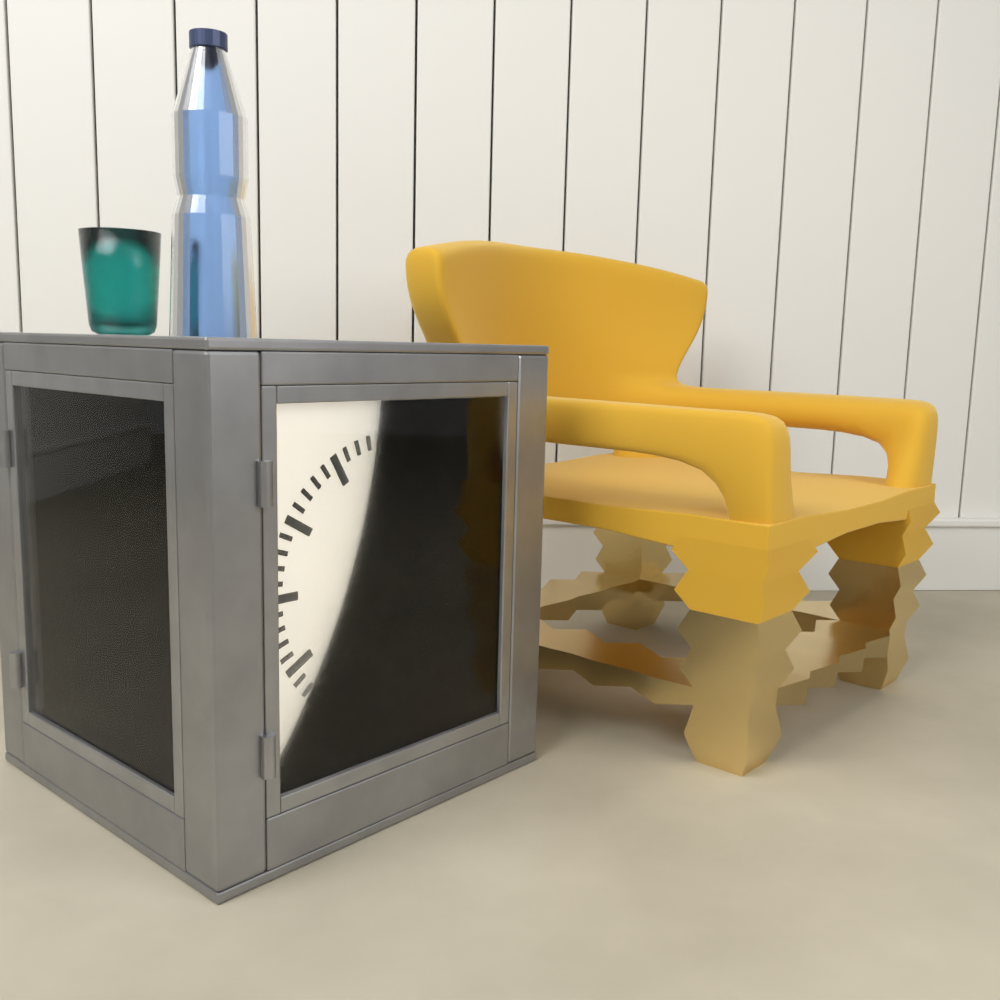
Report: 6 h 04 min
